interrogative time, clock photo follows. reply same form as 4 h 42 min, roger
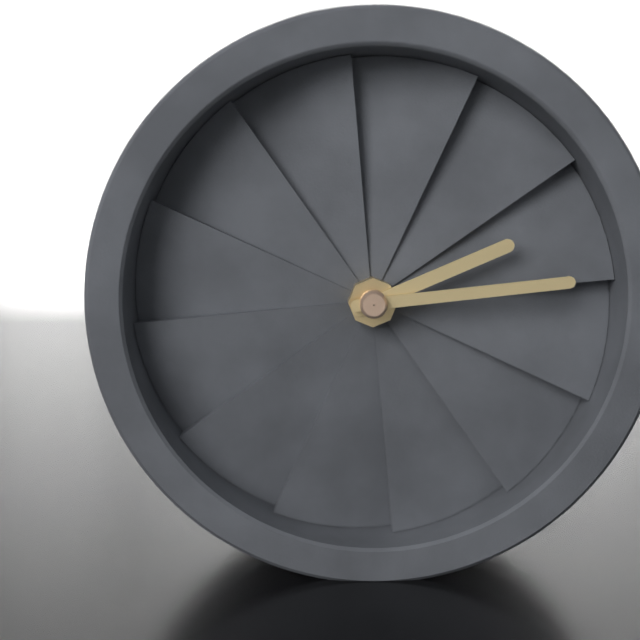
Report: 2 h 14 min
